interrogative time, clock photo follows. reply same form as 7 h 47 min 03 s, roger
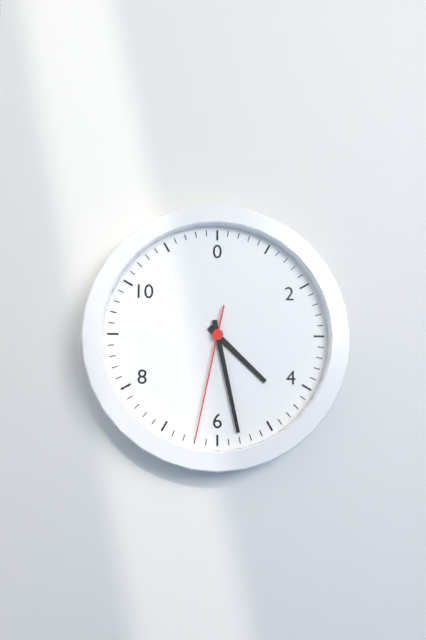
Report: 4 h 28 min 32 s
